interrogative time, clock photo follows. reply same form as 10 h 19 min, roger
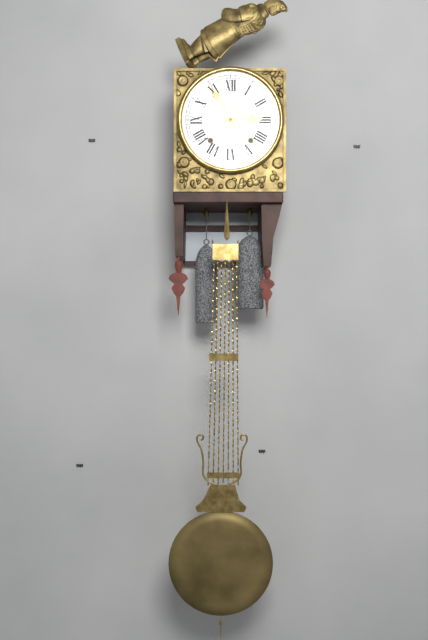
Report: 2 h 55 min
